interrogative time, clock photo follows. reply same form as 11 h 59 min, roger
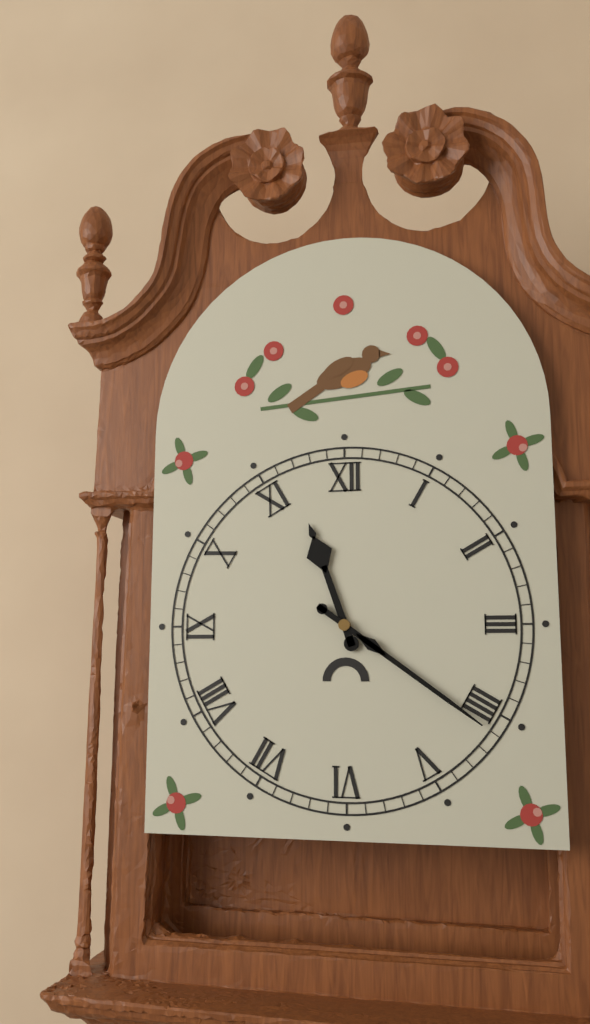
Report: 11 h 21 min
